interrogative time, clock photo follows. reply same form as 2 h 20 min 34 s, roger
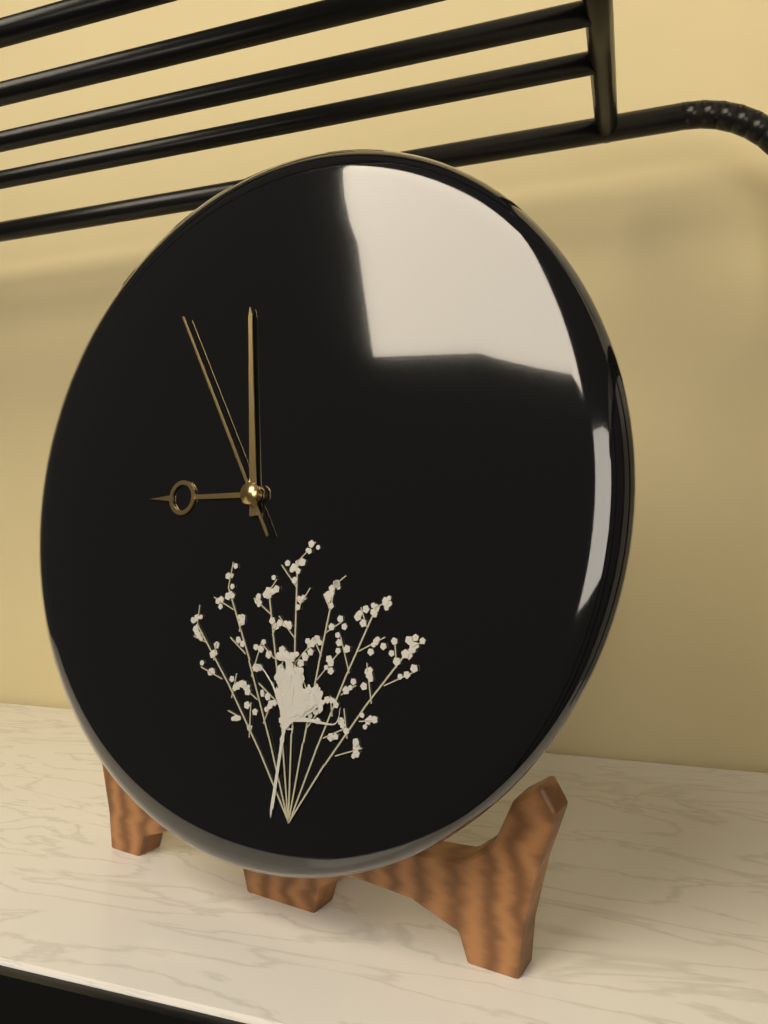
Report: 8 h 59 min 55 s
